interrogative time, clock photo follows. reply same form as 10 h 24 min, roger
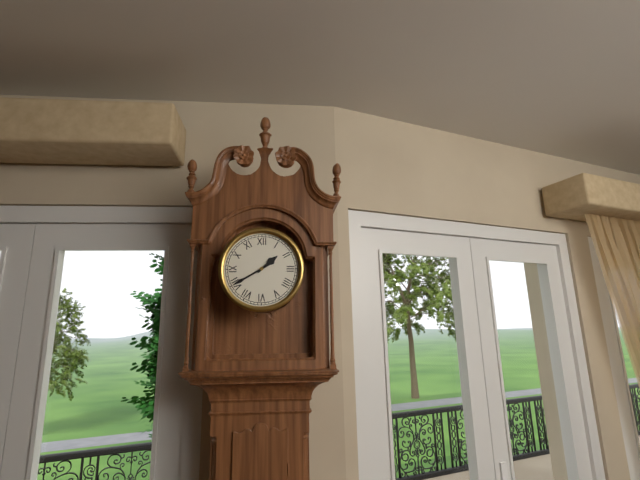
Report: 1 h 40 min
